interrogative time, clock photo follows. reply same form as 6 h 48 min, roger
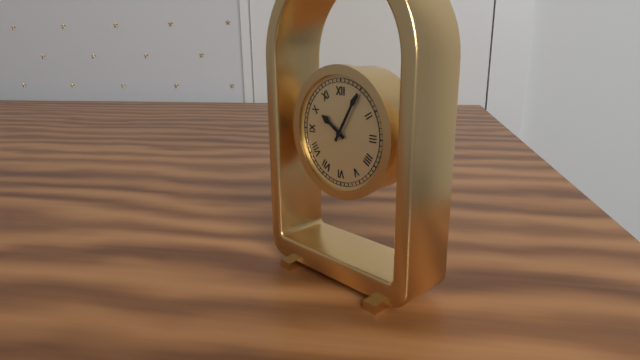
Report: 10 h 05 min
